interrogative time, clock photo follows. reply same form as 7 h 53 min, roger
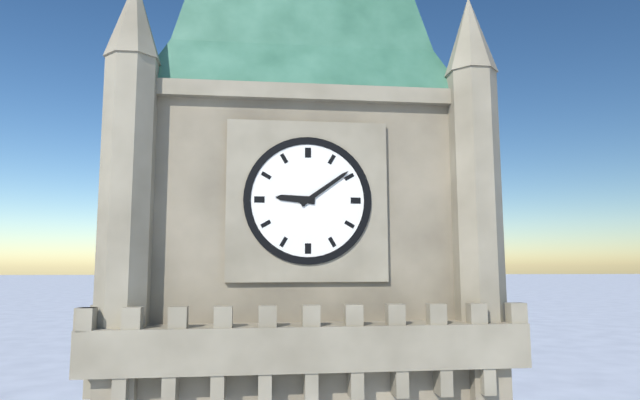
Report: 9 h 09 min
